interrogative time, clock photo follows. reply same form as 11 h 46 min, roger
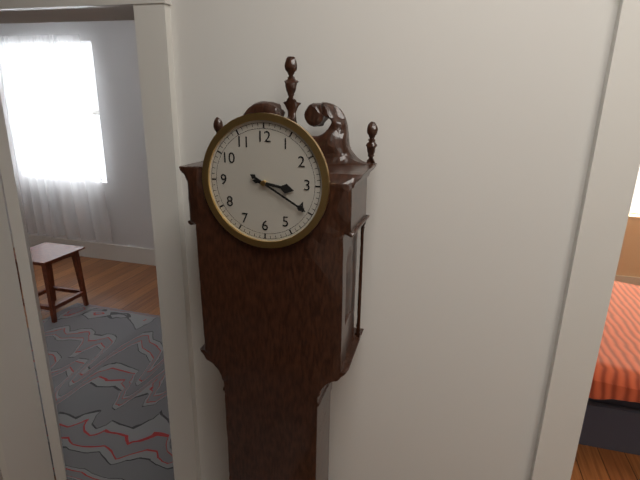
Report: 3 h 20 min
